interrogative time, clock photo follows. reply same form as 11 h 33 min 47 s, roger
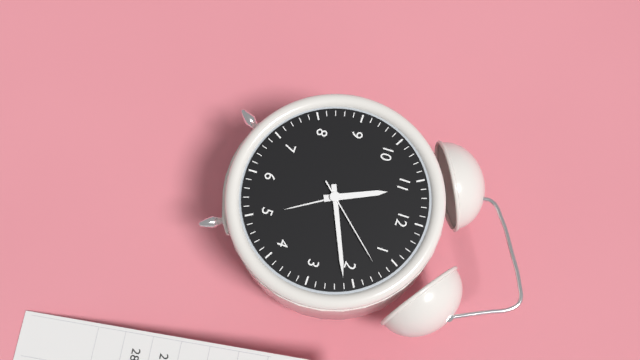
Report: 11 h 11 min 07 s
